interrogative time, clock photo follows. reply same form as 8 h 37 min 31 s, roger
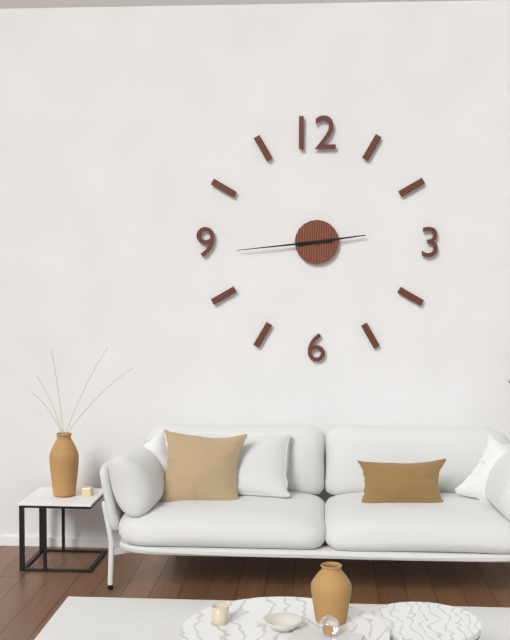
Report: 2 h 44 min 44 s
